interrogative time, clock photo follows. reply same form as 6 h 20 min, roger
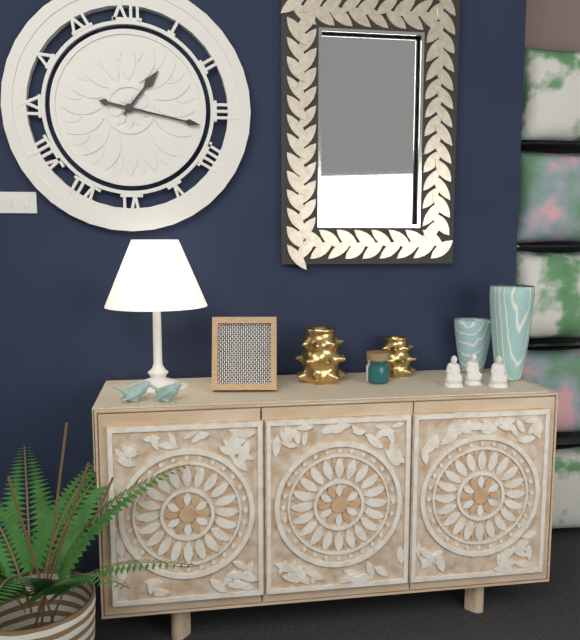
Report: 1 h 17 min
